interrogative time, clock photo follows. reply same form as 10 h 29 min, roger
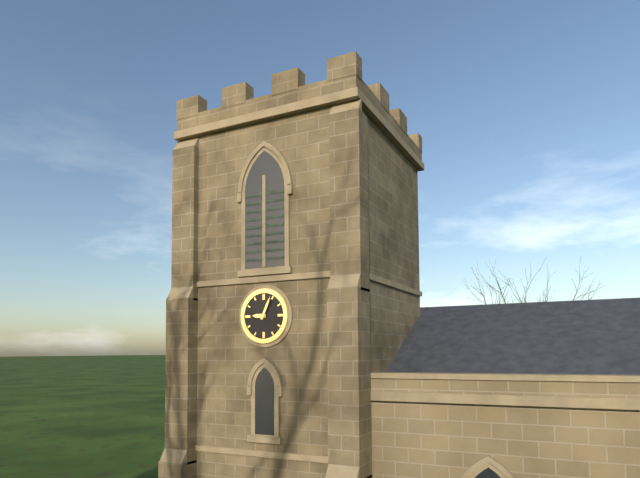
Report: 9 h 04 min
